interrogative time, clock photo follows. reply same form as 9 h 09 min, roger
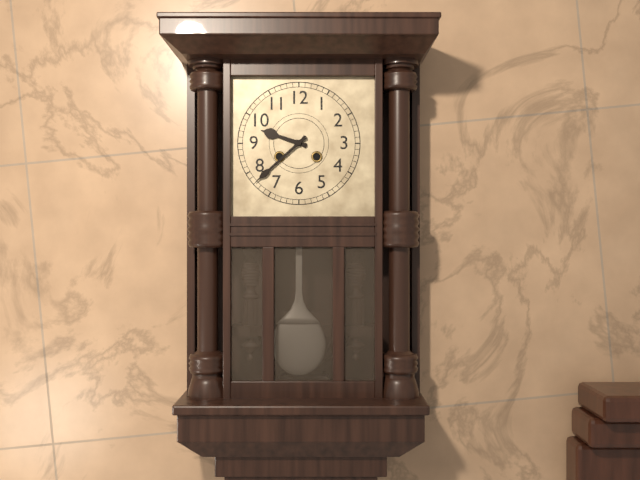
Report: 9 h 38 min
